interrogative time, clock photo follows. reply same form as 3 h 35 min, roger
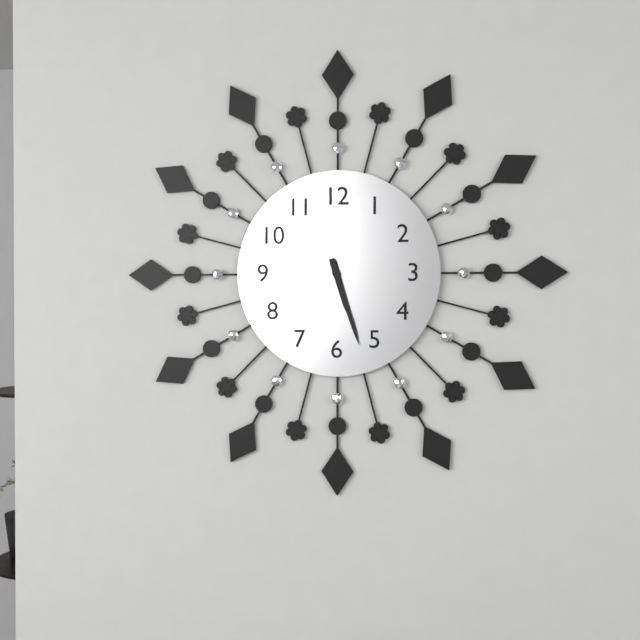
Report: 5 h 27 min
